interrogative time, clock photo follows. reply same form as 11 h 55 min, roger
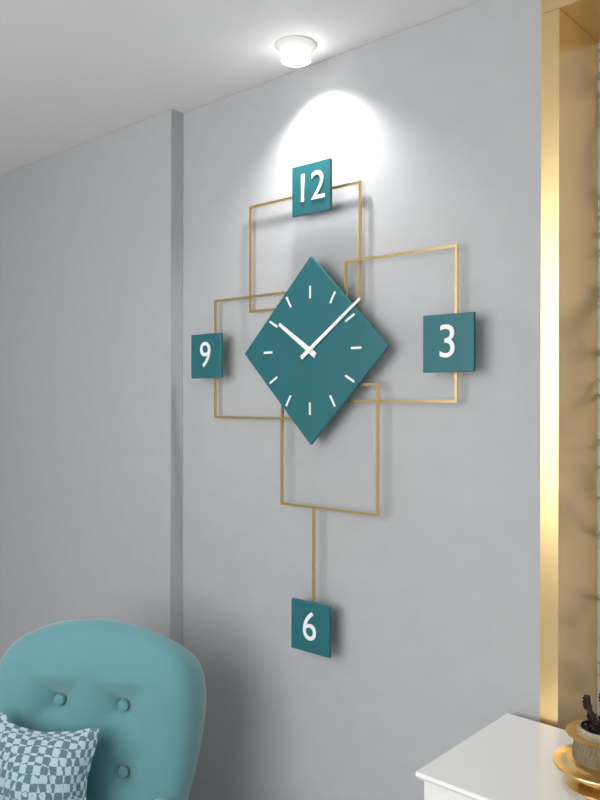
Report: 10 h 09 min
